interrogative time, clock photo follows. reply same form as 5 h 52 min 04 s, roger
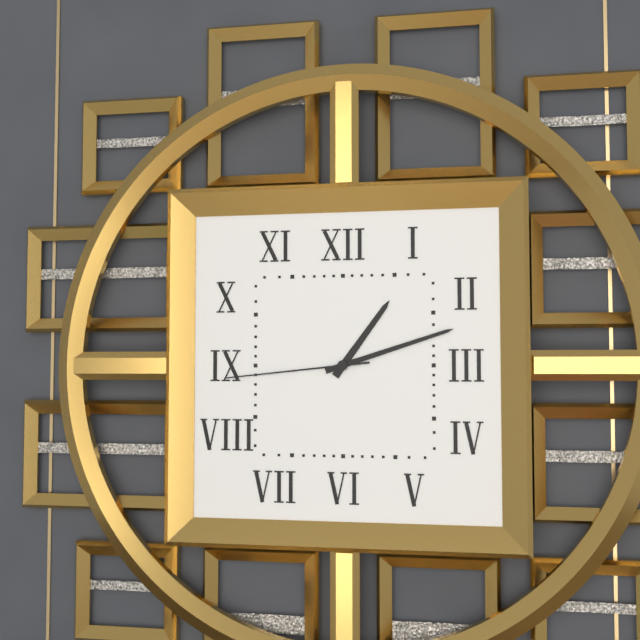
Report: 1 h 12 min 44 s
